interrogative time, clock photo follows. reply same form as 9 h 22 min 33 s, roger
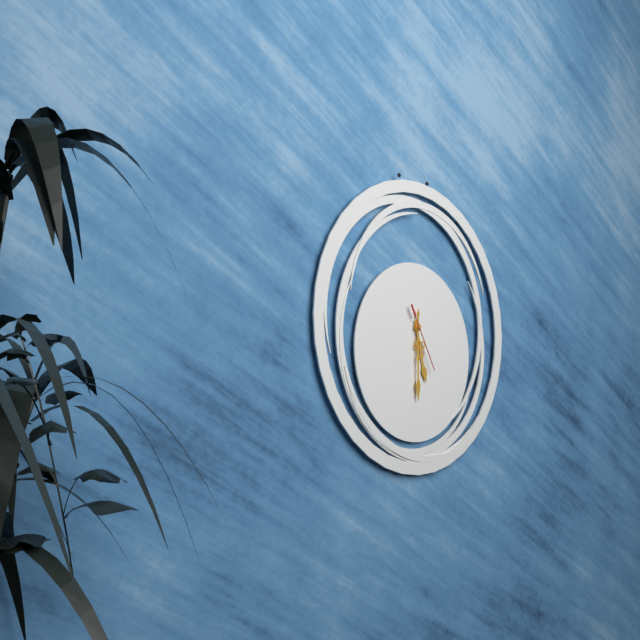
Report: 5 h 30 min 25 s
